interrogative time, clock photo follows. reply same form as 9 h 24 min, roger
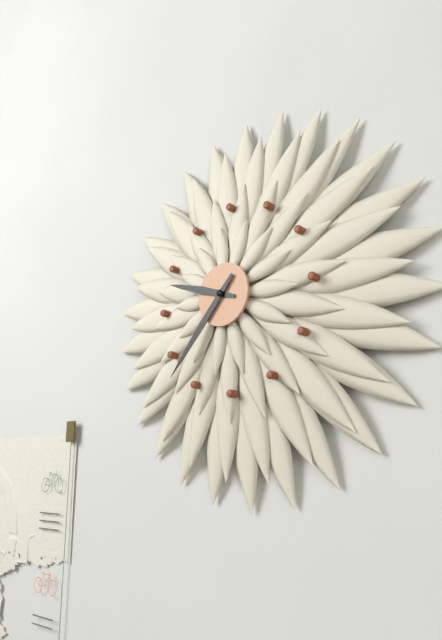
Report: 9 h 37 min
